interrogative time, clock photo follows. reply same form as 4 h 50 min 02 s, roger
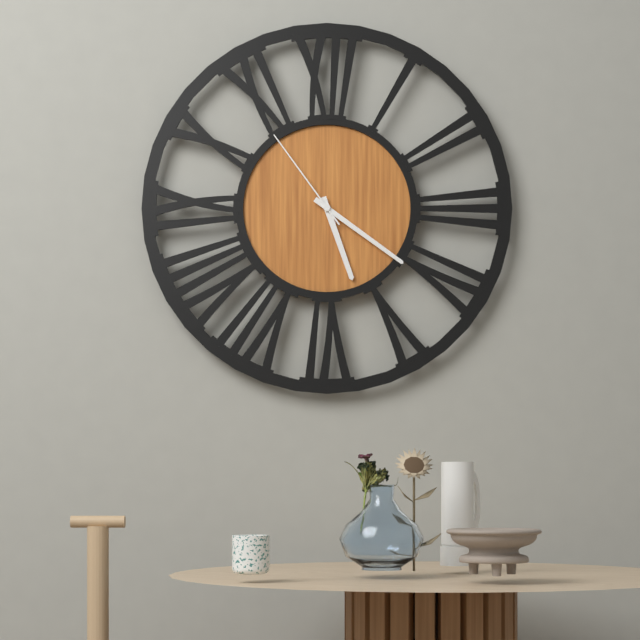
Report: 5 h 21 min 54 s
